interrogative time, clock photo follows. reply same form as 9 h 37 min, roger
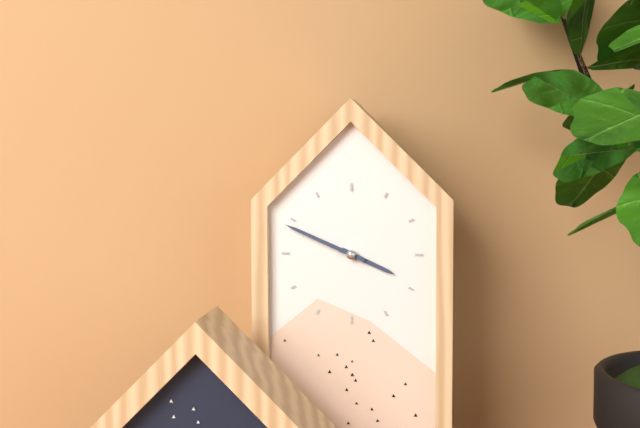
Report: 3 h 49 min
